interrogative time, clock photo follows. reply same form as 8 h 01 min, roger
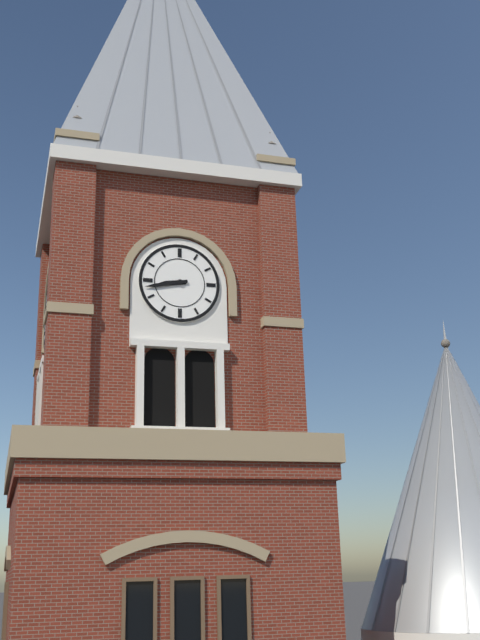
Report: 8 h 43 min
